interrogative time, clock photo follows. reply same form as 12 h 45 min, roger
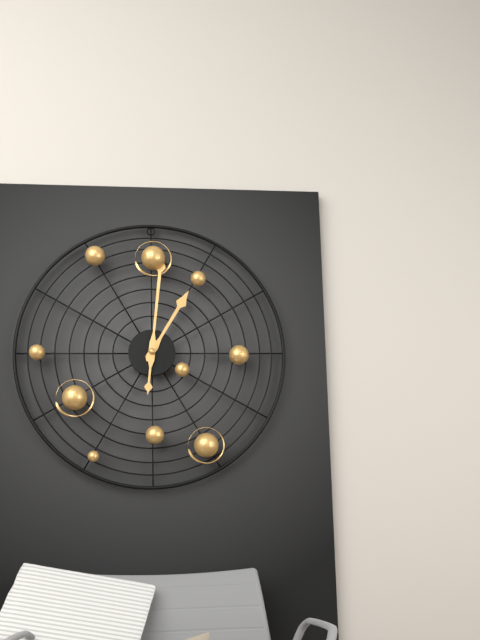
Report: 1 h 01 min
